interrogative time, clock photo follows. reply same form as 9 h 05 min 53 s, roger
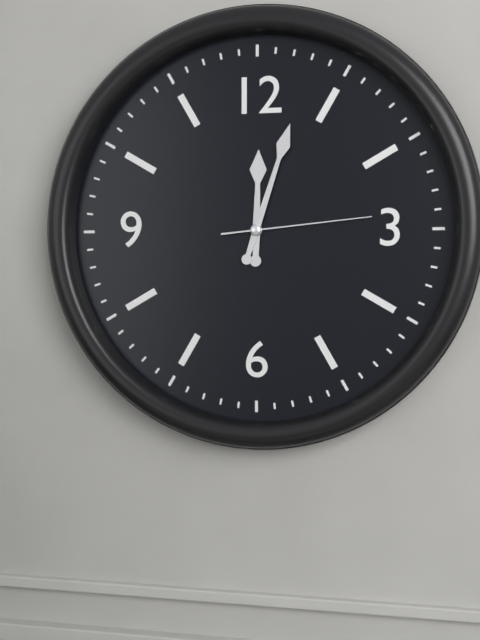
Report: 12 h 03 min 14 s
